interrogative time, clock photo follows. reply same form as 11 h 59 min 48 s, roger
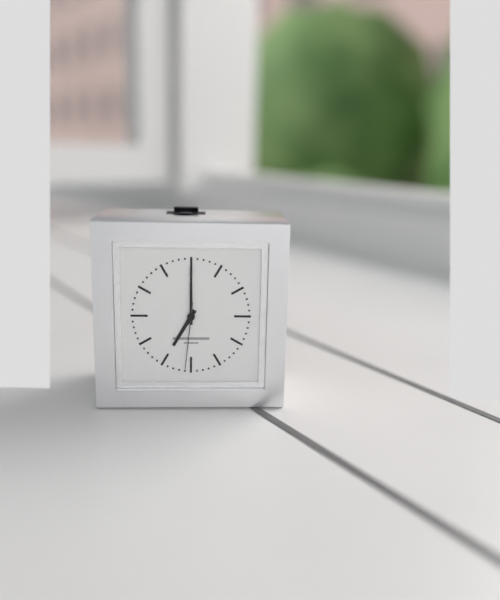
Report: 7 h 00 min 31 s
